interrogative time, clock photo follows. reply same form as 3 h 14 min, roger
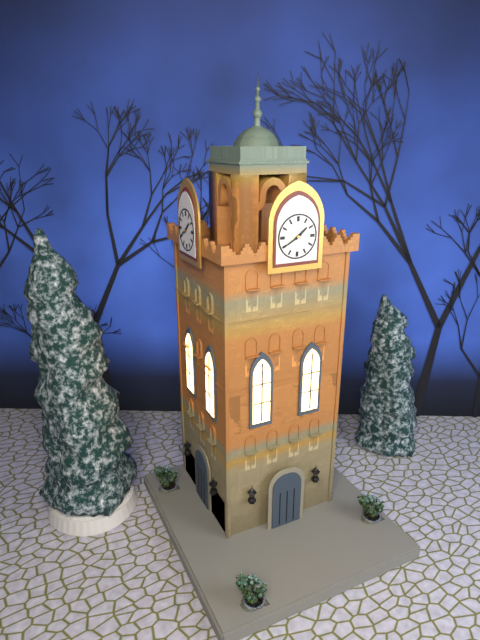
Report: 1 h 40 min
